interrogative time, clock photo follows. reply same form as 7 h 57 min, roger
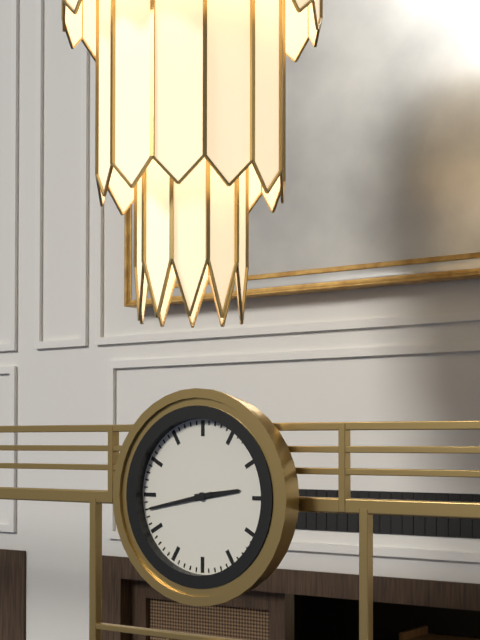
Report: 2 h 43 min
